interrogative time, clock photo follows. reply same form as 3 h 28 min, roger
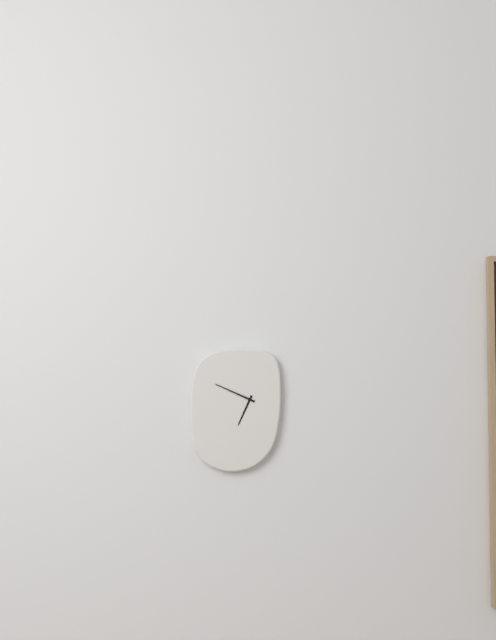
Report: 6 h 49 min
